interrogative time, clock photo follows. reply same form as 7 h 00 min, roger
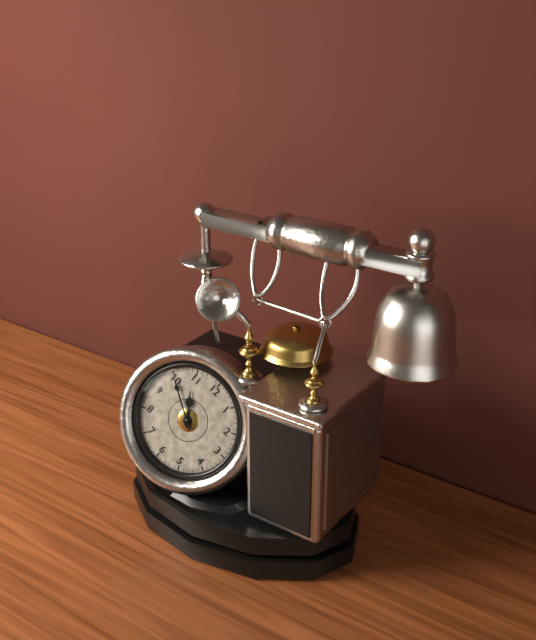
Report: 10 h 50 min
